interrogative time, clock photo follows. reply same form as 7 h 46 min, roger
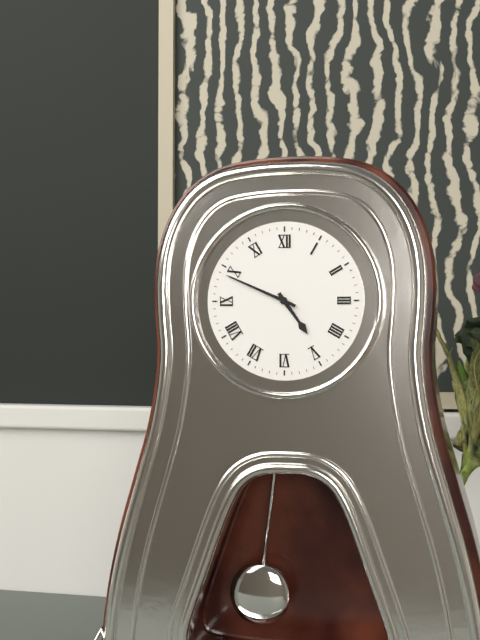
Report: 4 h 49 min
